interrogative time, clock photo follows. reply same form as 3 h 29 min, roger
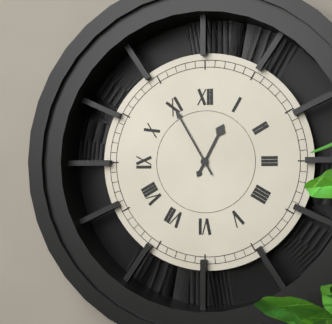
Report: 12 h 55 min
